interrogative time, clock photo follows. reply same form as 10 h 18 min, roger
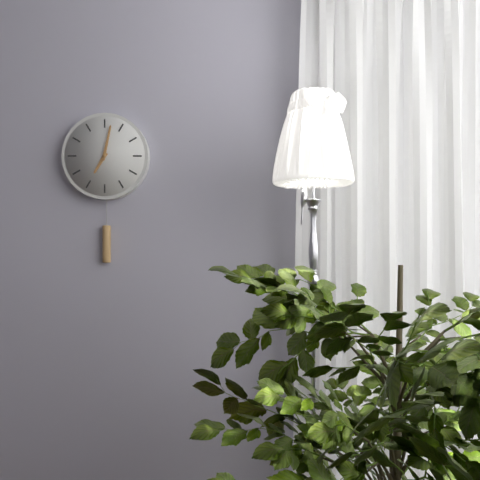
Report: 7 h 02 min
